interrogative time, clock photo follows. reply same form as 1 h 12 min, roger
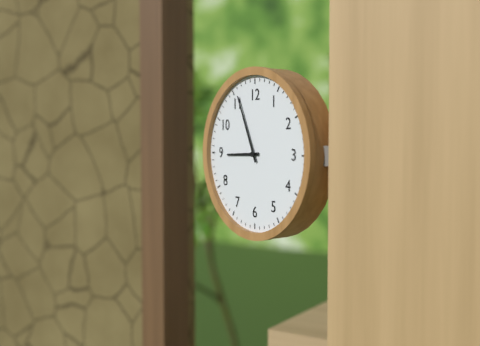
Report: 8 h 56 min
